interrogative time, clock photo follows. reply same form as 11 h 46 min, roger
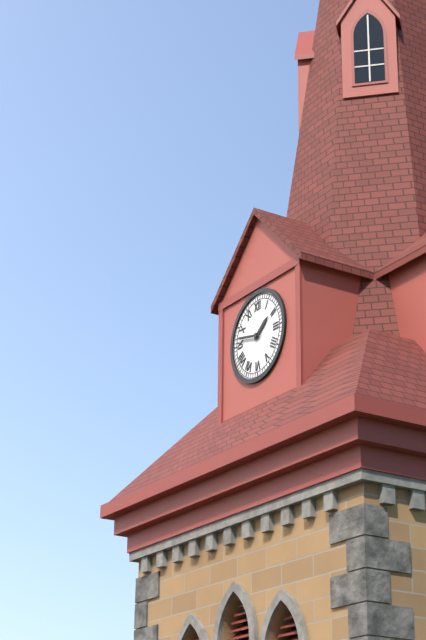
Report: 1 h 47 min
